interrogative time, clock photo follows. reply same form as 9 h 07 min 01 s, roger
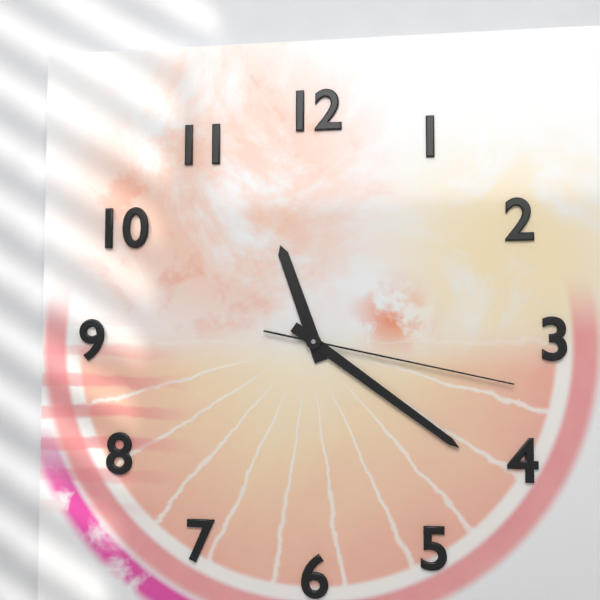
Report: 11 h 21 min 17 s
